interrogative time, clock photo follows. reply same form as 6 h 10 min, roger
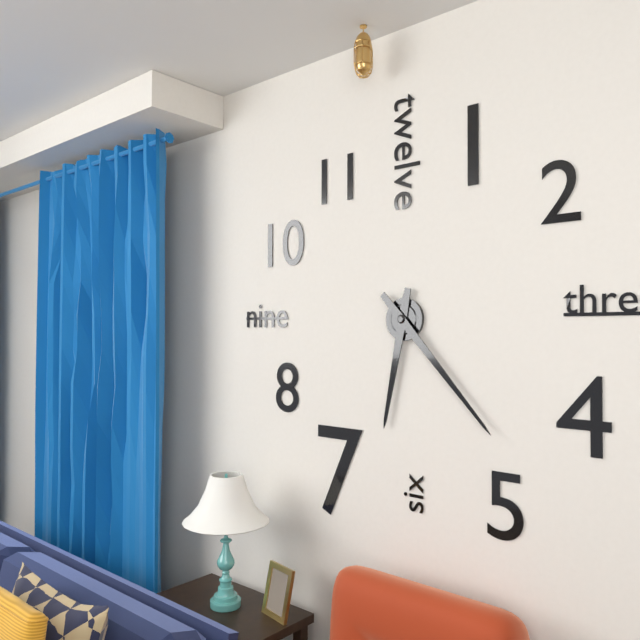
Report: 6 h 23 min
